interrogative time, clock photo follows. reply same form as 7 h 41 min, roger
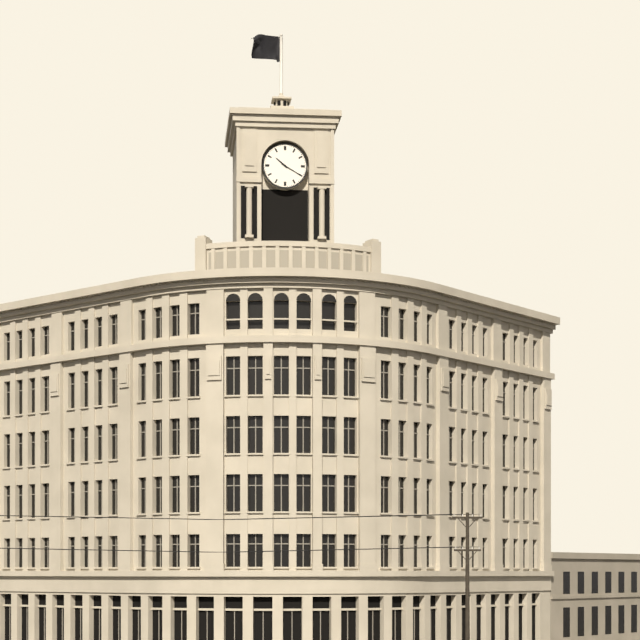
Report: 10 h 20 min
